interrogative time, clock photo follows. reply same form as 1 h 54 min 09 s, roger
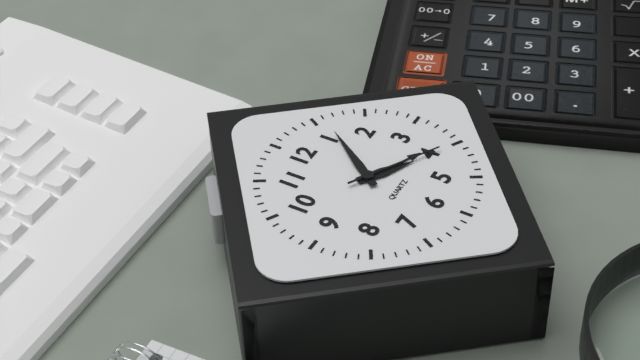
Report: 4 h 06 min 20 s
